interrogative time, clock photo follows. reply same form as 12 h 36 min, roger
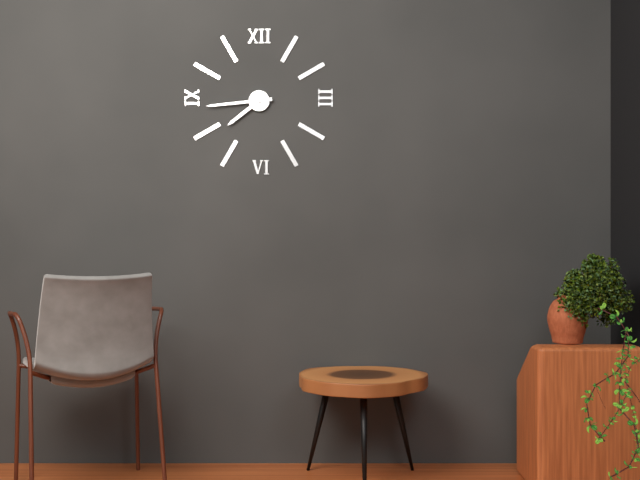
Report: 7 h 44 min
